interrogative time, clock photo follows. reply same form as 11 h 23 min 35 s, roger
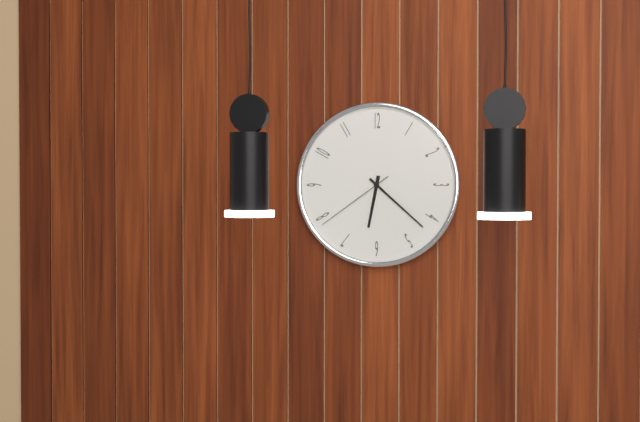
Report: 6 h 22 min 39 s
